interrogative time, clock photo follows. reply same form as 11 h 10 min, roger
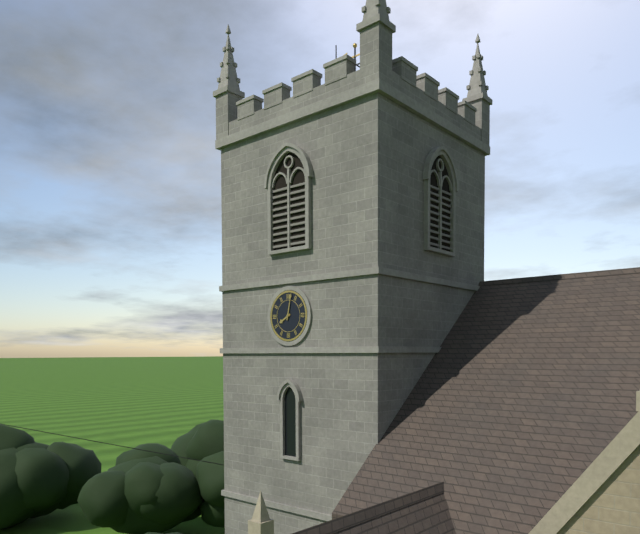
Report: 8 h 02 min
